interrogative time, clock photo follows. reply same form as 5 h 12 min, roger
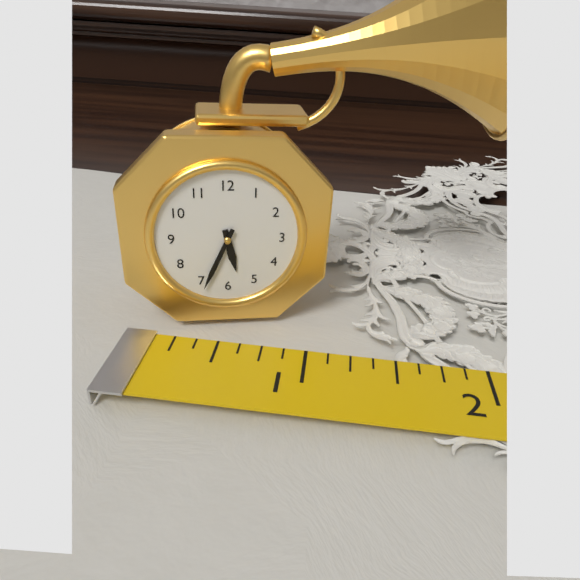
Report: 5 h 34 min
